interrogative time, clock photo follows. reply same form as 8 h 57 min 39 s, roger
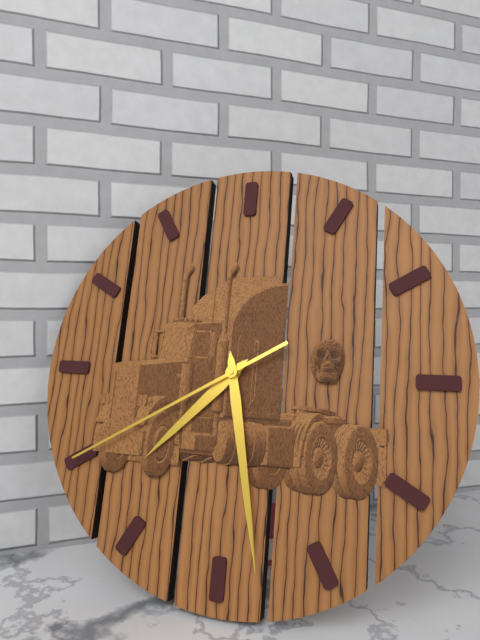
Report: 7 h 28 min 40 s
